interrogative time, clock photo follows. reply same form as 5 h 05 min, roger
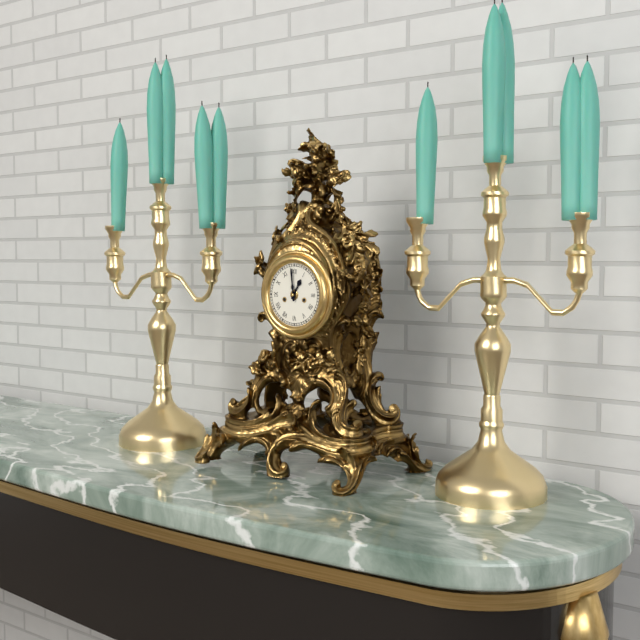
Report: 12 h 59 min
